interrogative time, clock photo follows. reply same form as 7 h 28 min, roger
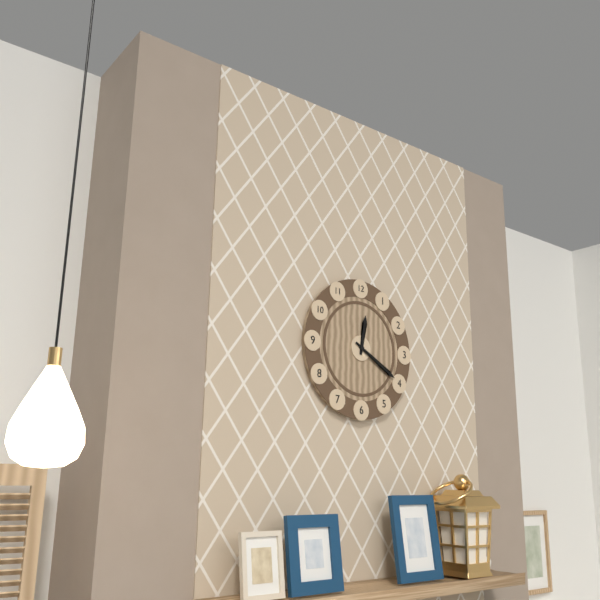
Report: 12 h 20 min
